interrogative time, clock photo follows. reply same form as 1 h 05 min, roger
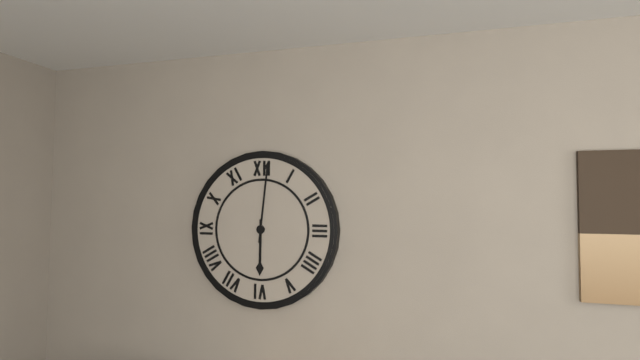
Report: 6 h 01 min
